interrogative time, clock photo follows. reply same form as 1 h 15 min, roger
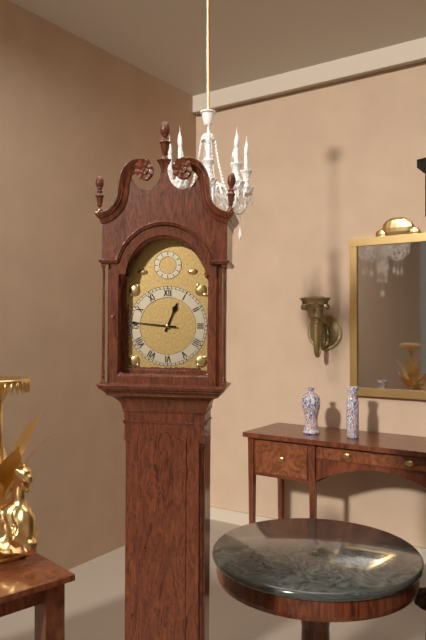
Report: 12 h 46 min
